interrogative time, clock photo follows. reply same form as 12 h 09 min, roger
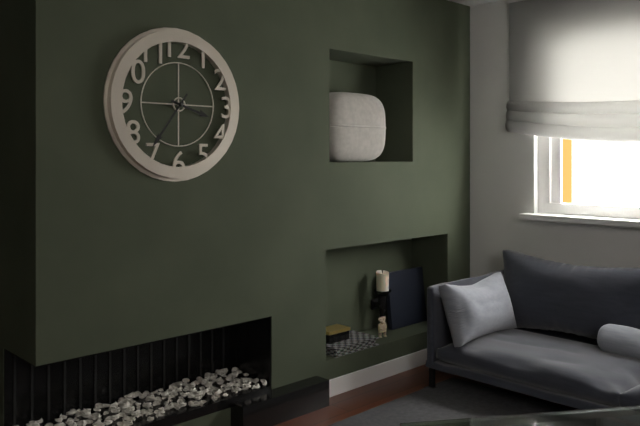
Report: 3 h 36 min
